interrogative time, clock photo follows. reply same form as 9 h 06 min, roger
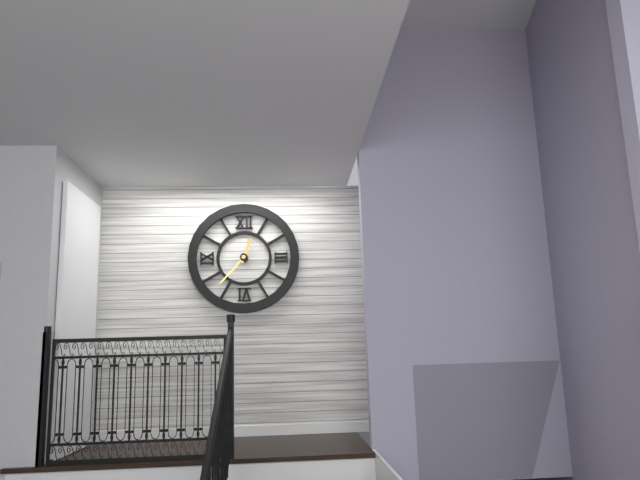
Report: 12 h 37 min
